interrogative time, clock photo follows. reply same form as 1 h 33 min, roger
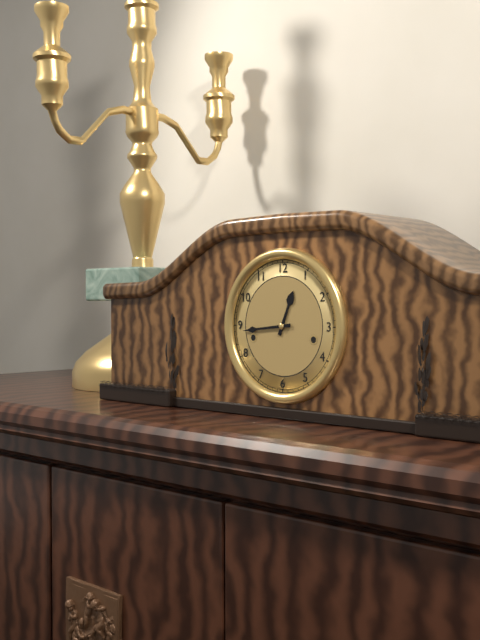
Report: 12 h 44 min
